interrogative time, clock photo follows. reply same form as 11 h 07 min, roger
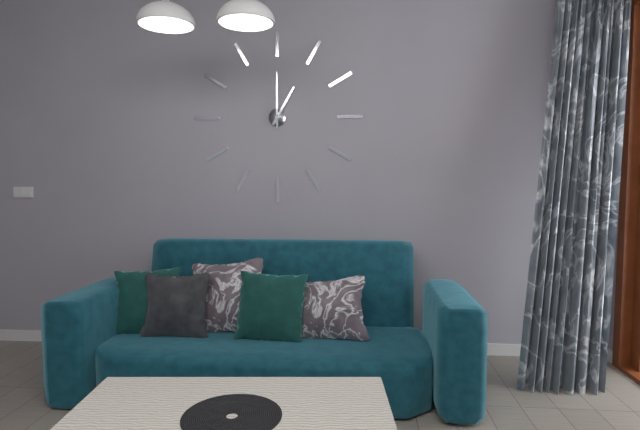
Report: 1 h 00 min
